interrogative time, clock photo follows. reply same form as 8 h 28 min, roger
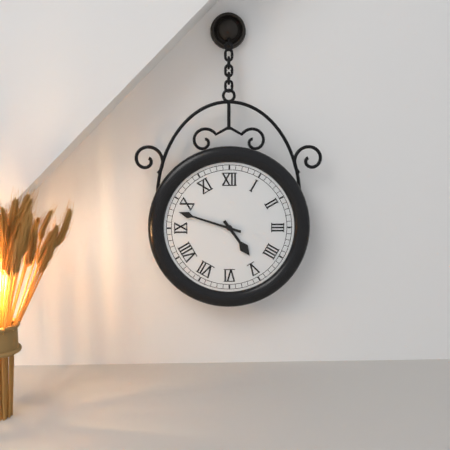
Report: 4 h 48 min
